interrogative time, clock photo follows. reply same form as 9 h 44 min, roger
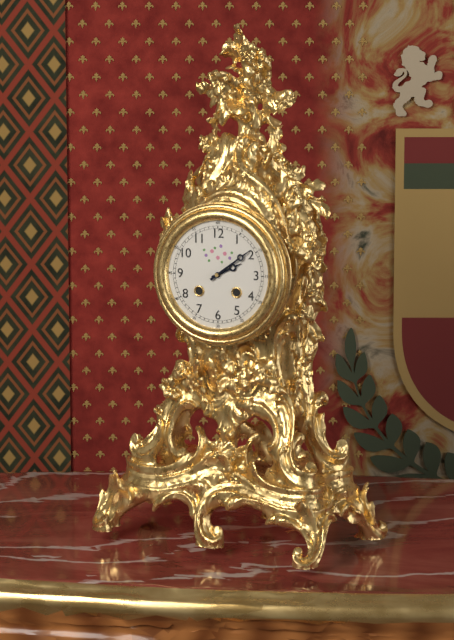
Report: 2 h 09 min
